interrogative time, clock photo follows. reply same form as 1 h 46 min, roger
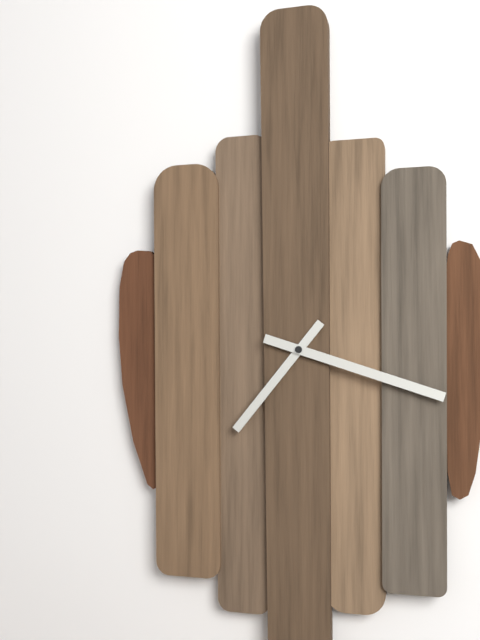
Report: 7 h 18 min
